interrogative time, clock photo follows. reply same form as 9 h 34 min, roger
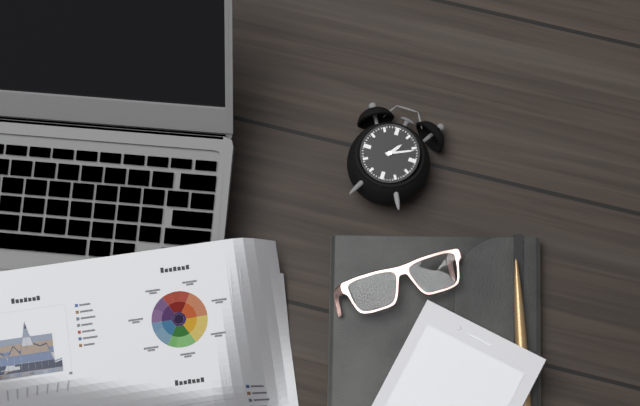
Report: 1 h 11 min
